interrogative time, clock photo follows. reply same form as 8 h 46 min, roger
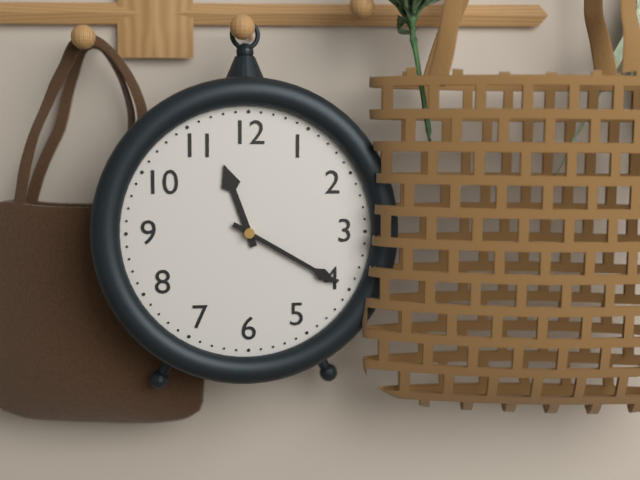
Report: 11 h 20 min
